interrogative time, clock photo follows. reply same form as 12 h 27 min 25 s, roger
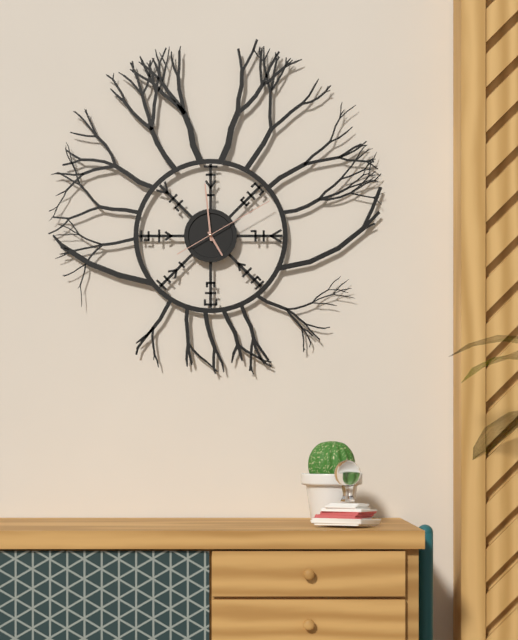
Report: 4 h 59 min 10 s
